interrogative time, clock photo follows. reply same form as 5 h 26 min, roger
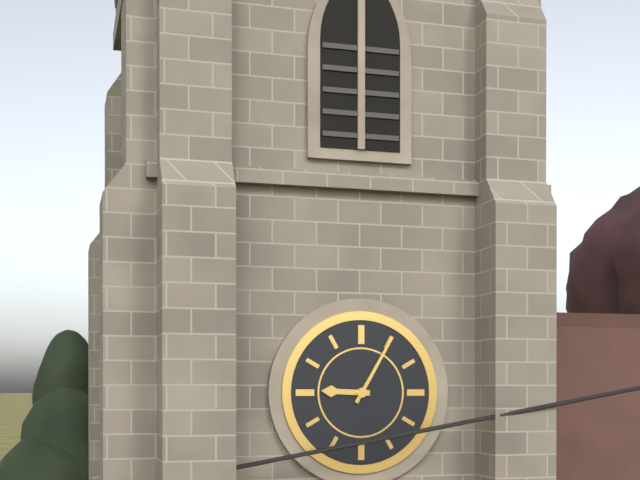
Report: 9 h 05 min
